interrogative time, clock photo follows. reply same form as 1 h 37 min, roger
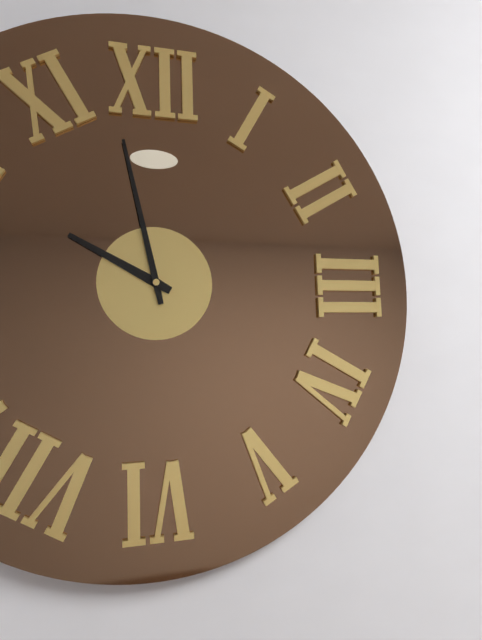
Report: 9 h 58 min
